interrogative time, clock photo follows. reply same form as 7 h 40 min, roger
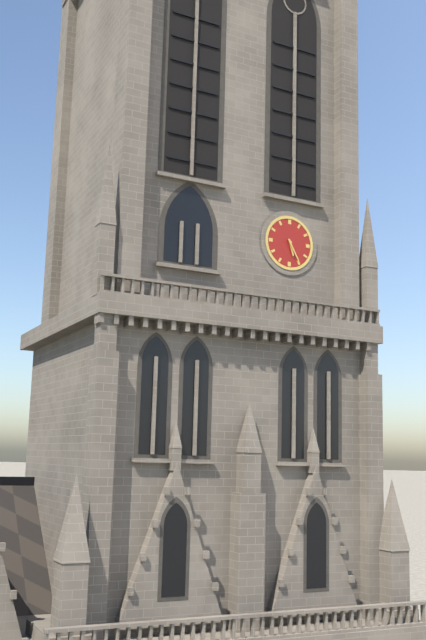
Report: 5 h 25 min
